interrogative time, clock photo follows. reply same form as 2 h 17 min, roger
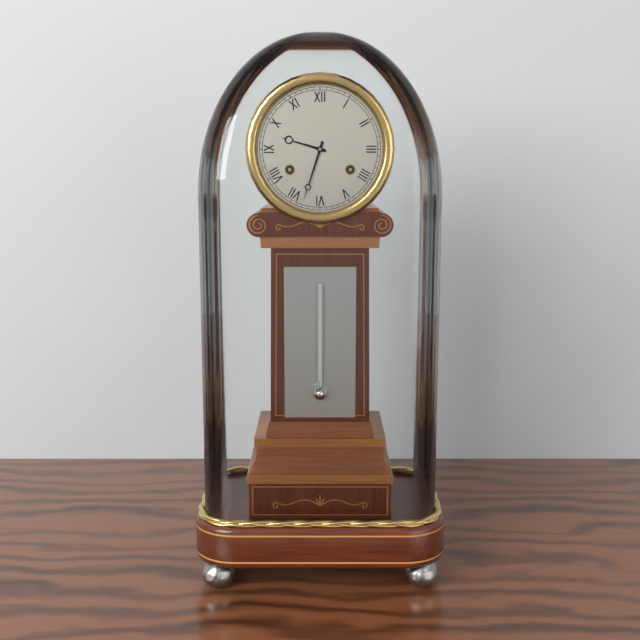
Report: 9 h 33 min
